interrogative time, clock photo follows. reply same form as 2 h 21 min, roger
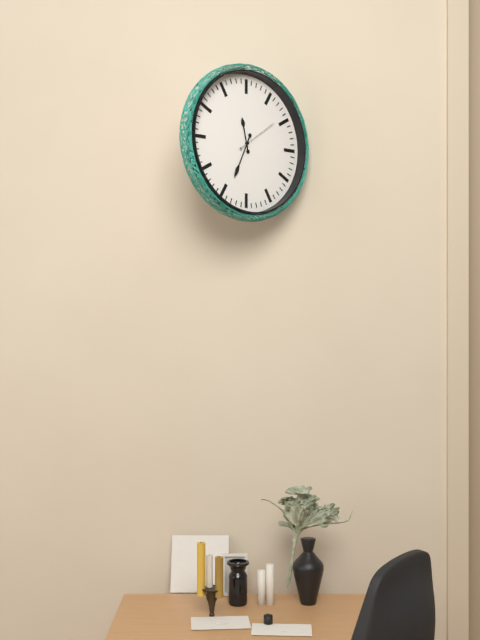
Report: 11 h 34 min
